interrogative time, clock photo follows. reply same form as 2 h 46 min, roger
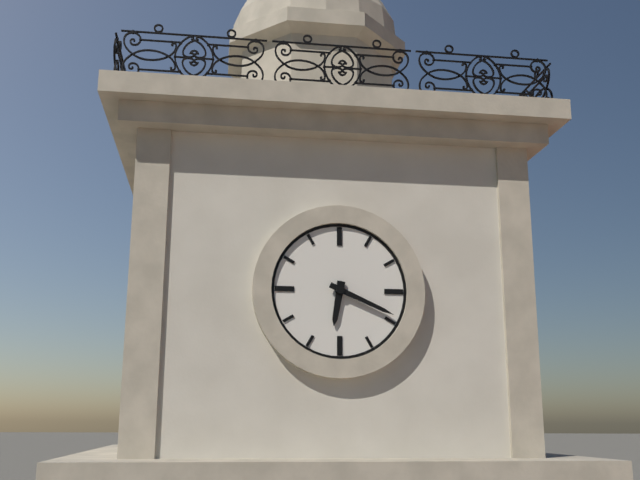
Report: 6 h 19 min
